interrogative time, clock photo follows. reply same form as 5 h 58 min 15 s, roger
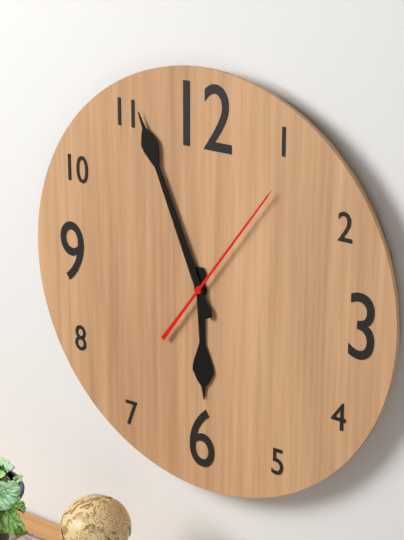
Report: 5 h 56 min 06 s
